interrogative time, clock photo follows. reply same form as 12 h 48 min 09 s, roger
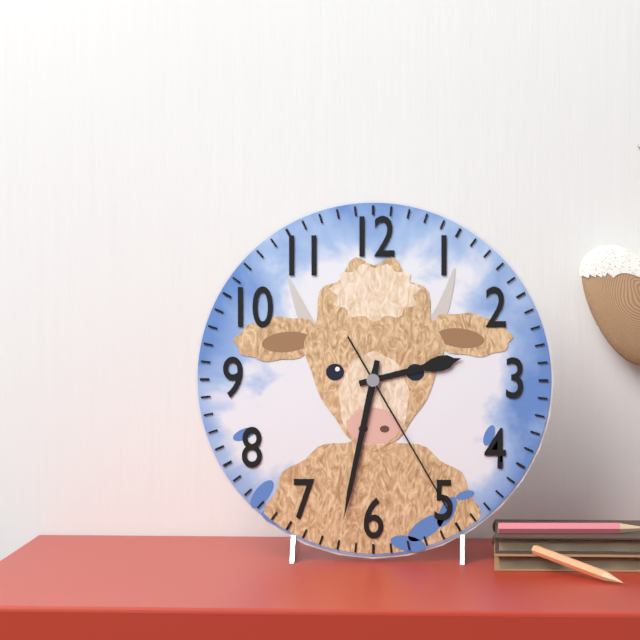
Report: 2 h 32 min 25 s
